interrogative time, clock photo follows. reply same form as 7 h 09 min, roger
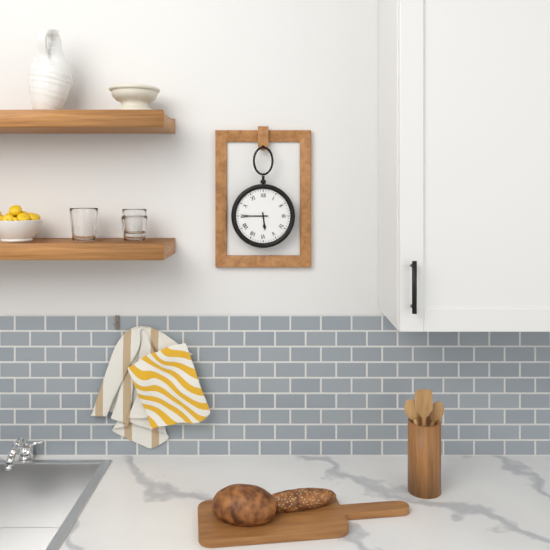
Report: 5 h 45 min
